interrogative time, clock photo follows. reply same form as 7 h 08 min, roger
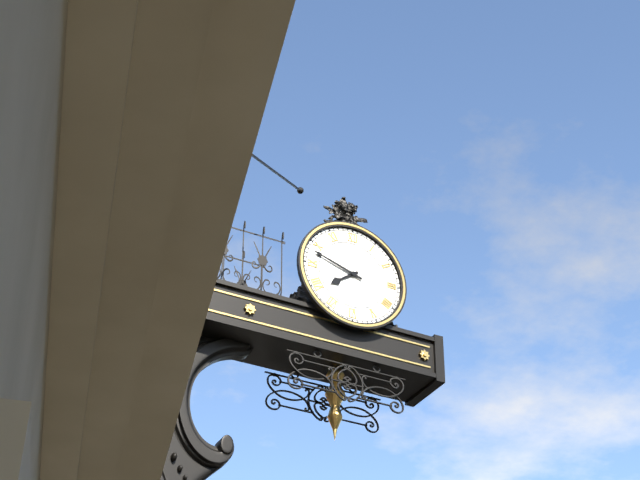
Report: 7 h 48 min
